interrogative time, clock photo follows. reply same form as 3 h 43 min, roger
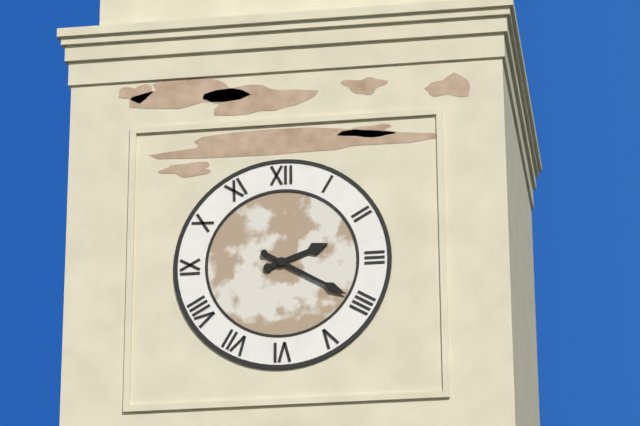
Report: 2 h 20 min
